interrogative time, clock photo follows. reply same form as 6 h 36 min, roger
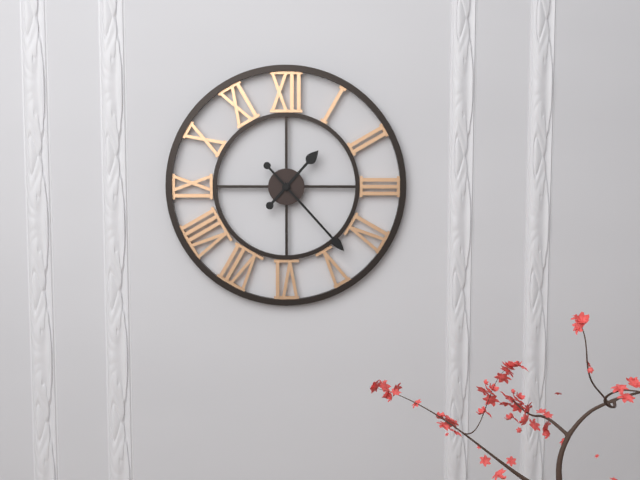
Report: 1 h 23 min
